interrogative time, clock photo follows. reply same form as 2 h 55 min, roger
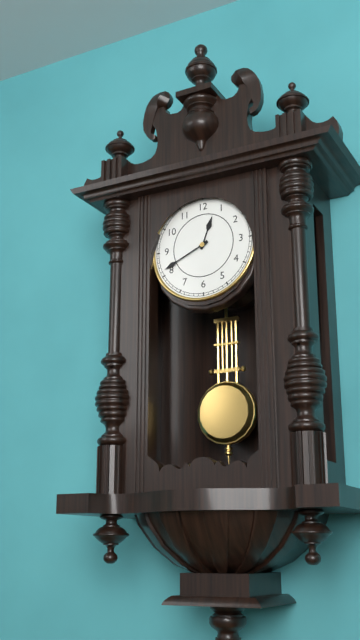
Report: 12 h 41 min
